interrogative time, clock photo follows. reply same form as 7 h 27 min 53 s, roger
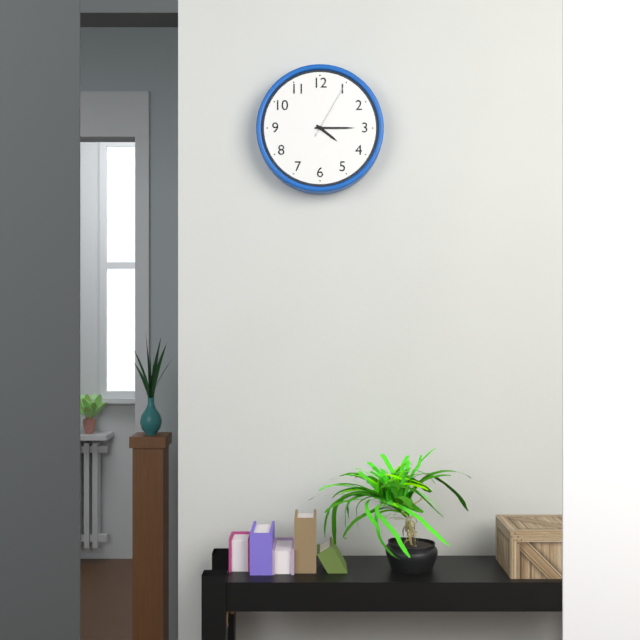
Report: 4 h 15 min 05 s
